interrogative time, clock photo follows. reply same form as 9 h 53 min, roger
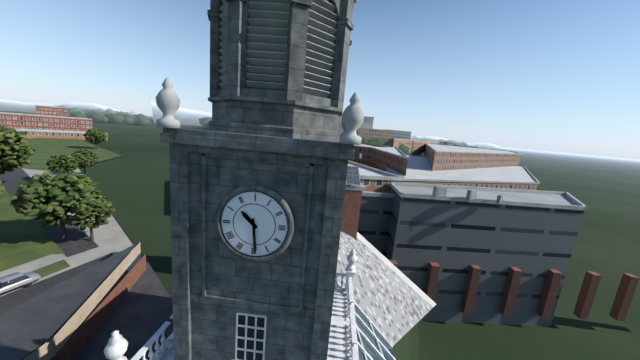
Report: 10 h 29 min
